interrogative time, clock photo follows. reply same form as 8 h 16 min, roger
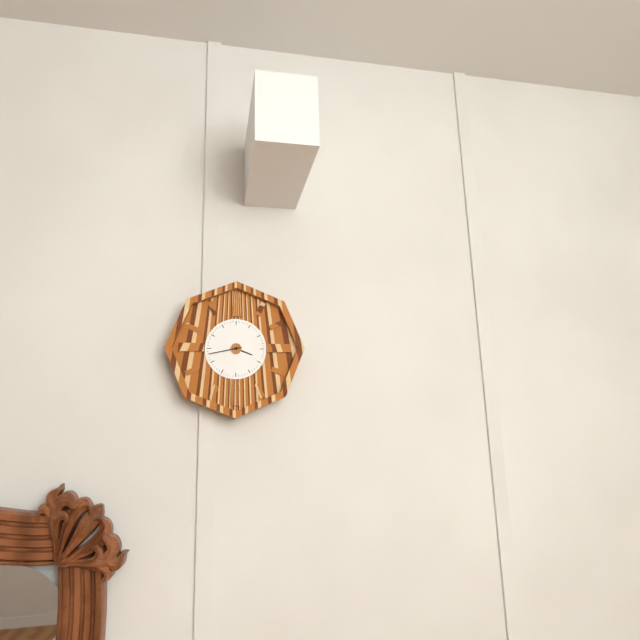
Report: 3 h 43 min
